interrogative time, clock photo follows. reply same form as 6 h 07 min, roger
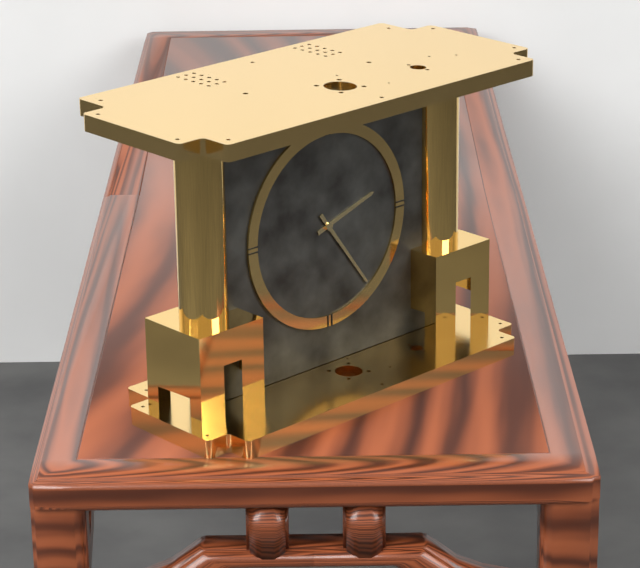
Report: 2 h 24 min
